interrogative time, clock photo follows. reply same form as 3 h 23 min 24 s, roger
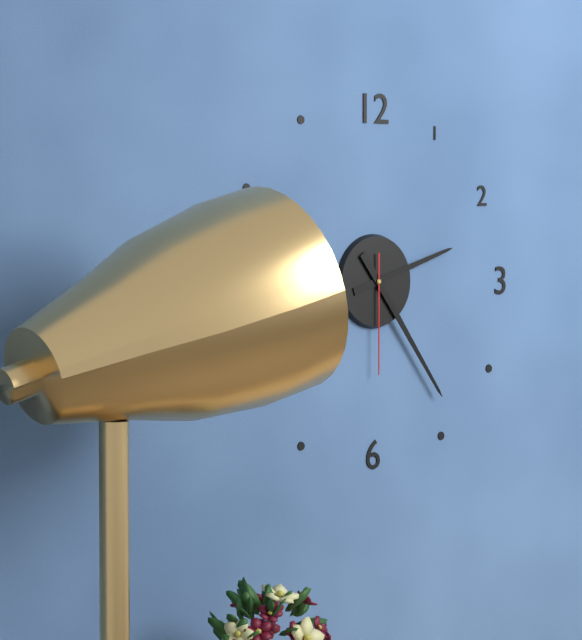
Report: 2 h 24 min 30 s
